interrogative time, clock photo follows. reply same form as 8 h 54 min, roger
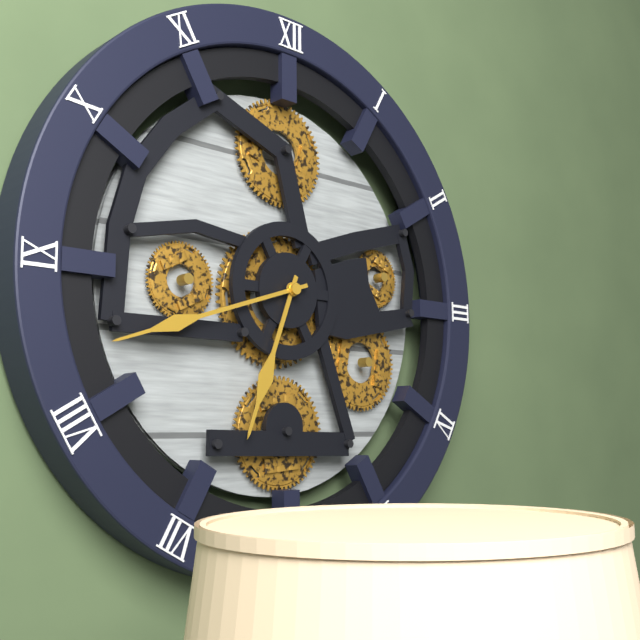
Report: 6 h 42 min
